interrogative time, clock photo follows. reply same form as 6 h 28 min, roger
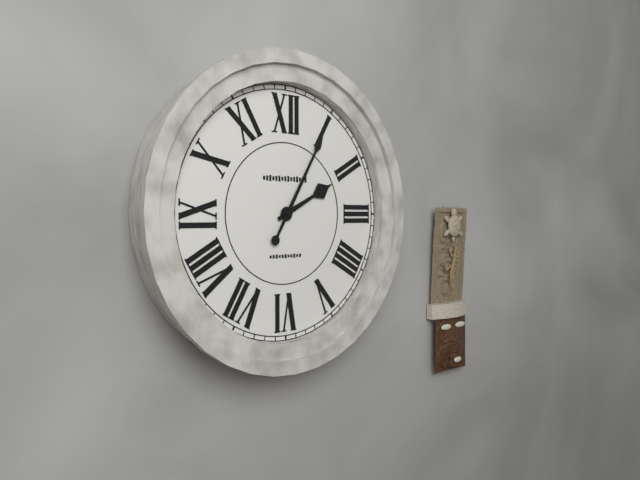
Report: 2 h 05 min
